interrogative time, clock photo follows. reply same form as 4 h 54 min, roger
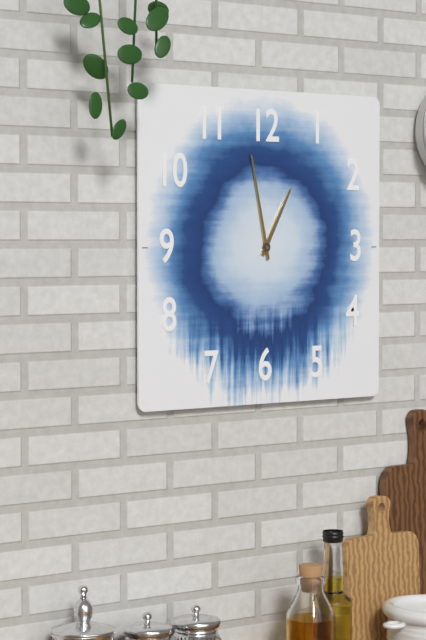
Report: 12 h 58 min
